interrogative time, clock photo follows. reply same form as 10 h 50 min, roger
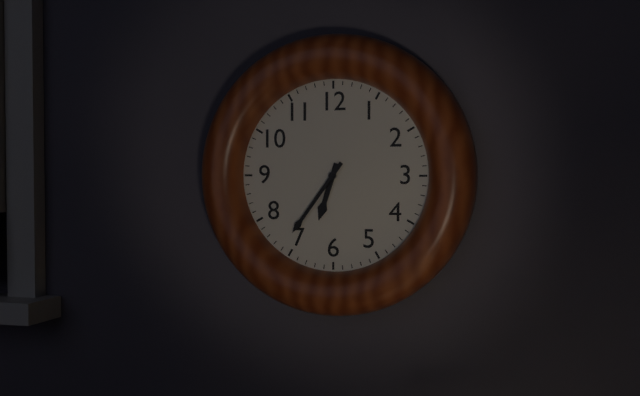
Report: 6 h 36 min
